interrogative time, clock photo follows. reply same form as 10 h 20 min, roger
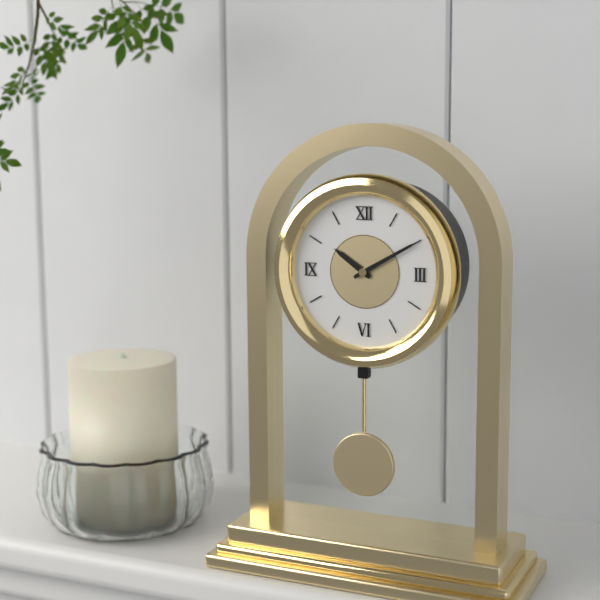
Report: 10 h 10 min
